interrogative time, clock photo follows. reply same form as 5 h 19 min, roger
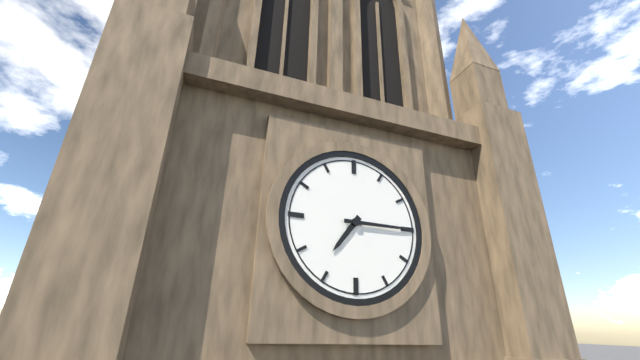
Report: 7 h 15 min
